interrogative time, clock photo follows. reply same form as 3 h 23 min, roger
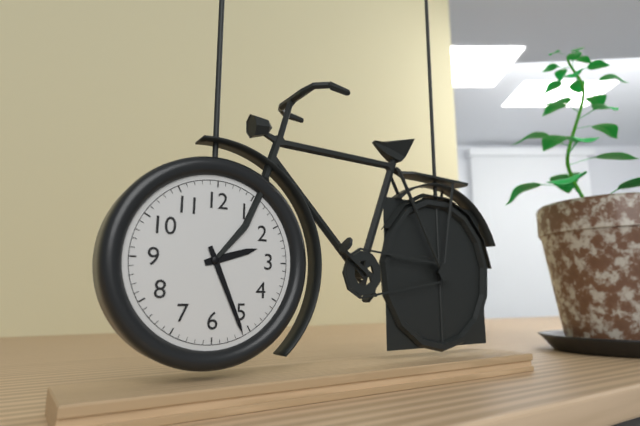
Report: 2 h 26 min
